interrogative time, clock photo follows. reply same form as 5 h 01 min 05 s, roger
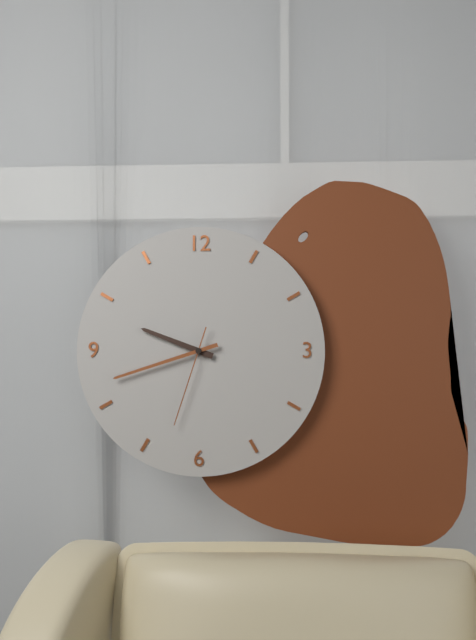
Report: 9 h 42 min 33 s
